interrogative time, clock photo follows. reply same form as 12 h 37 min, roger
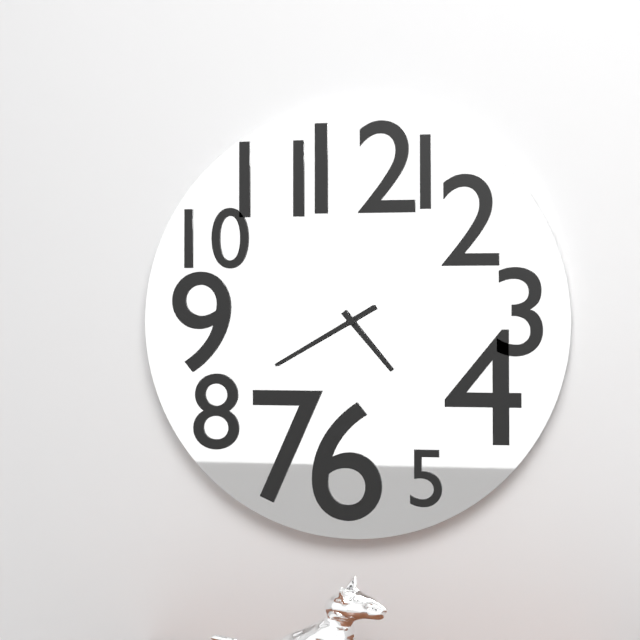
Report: 4 h 40 min
